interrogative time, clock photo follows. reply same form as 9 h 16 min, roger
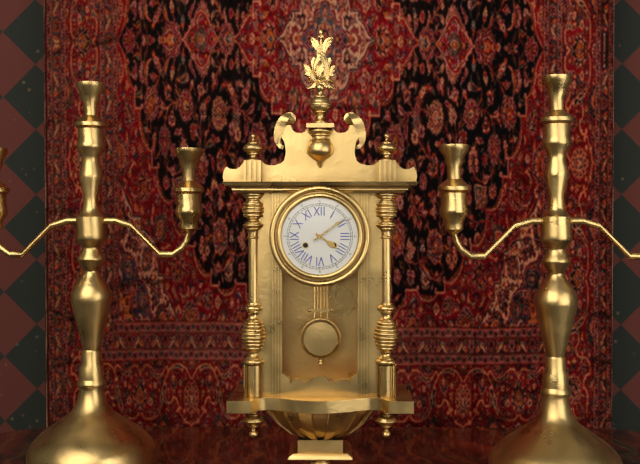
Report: 4 h 09 min
